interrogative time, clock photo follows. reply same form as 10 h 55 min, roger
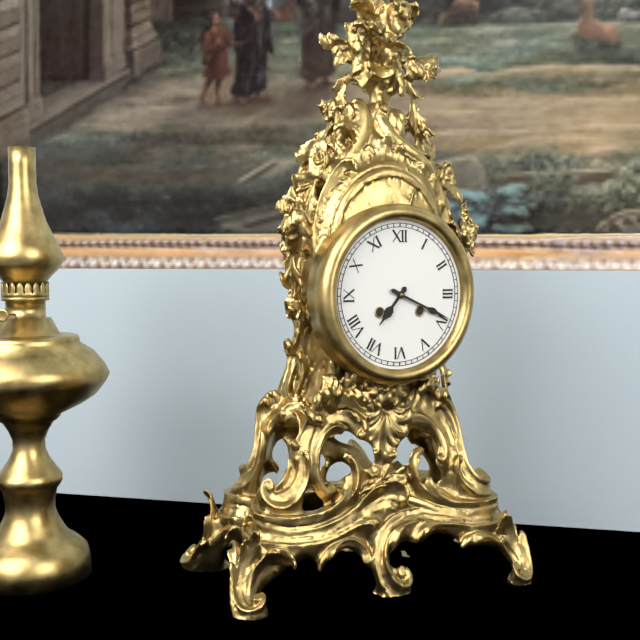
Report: 7 h 19 min
